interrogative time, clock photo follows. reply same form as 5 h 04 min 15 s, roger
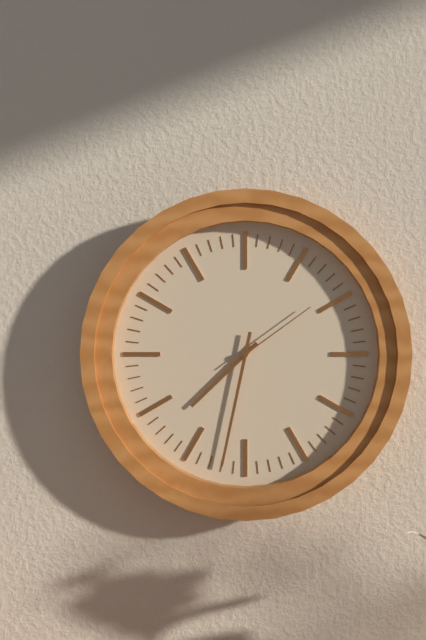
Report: 7 h 32 min 09 s
